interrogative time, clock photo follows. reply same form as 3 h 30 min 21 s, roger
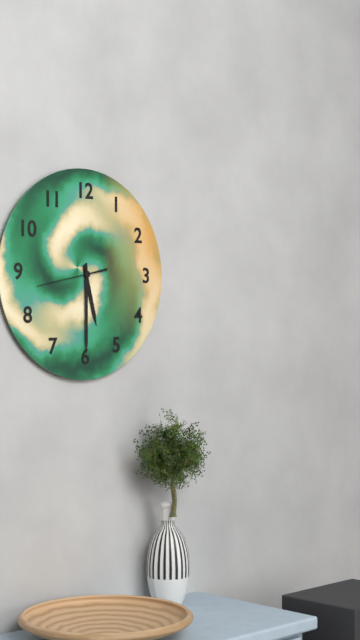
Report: 5 h 30 min 43 s
